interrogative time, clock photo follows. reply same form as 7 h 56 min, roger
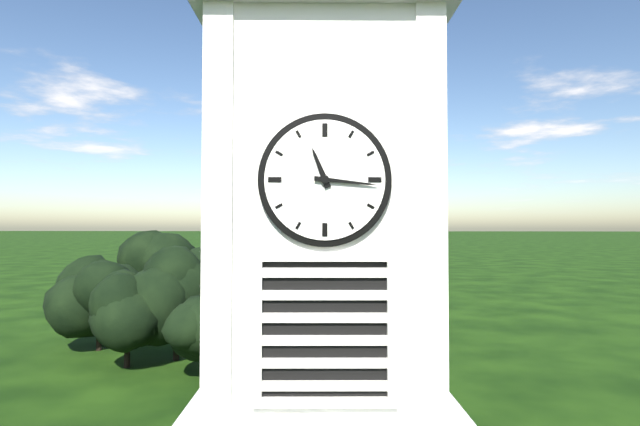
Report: 11 h 16 min
